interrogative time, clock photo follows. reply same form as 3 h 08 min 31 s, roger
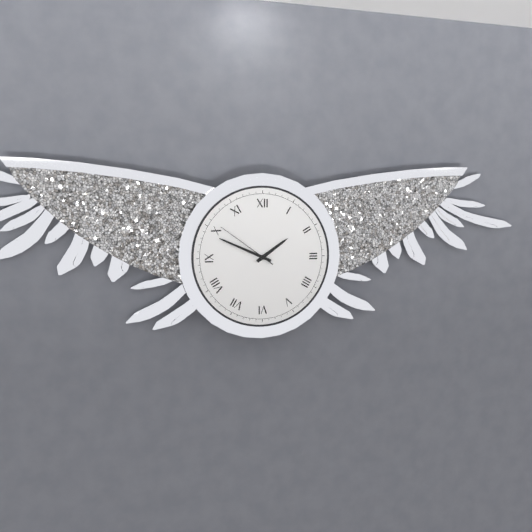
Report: 1 h 49 min 51 s
